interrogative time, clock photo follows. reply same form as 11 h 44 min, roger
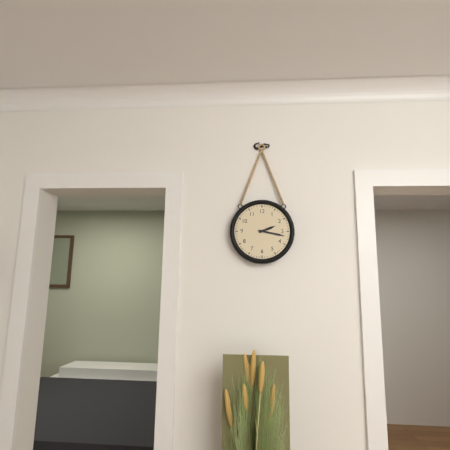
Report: 2 h 17 min
